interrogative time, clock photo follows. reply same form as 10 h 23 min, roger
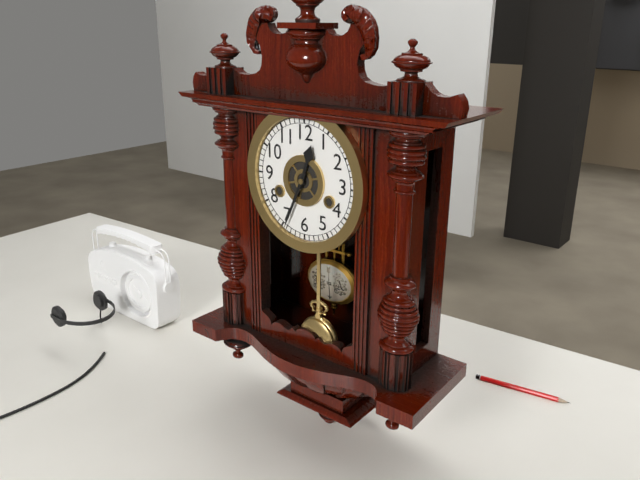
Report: 12 h 34 min
